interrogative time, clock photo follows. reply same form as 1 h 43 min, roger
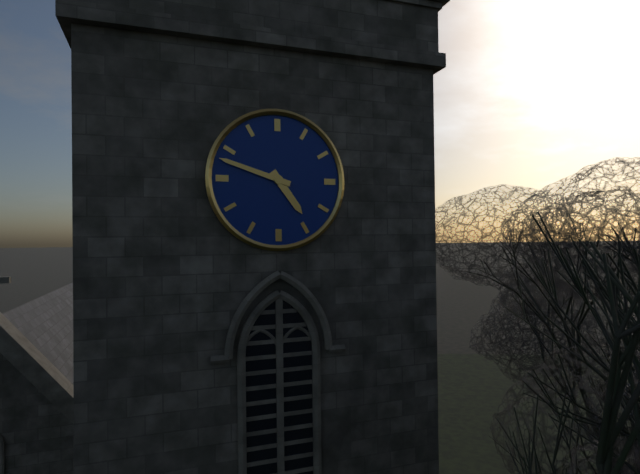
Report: 4 h 48 min
